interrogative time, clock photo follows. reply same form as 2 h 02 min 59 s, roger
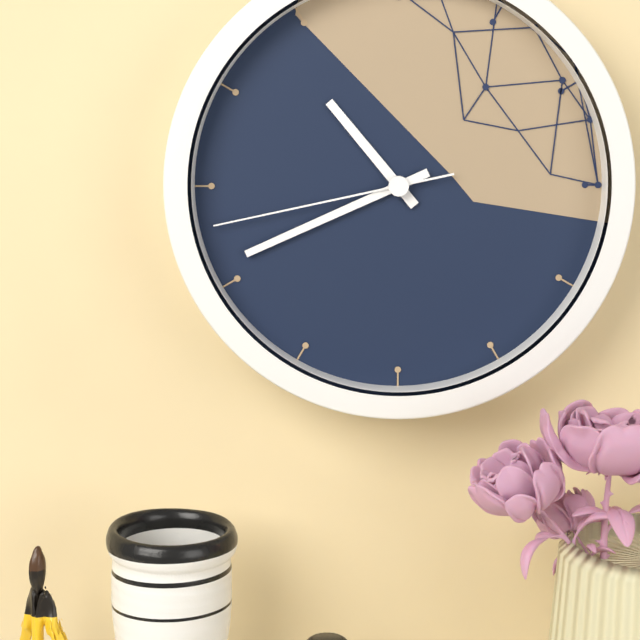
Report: 10 h 41 min 43 s
